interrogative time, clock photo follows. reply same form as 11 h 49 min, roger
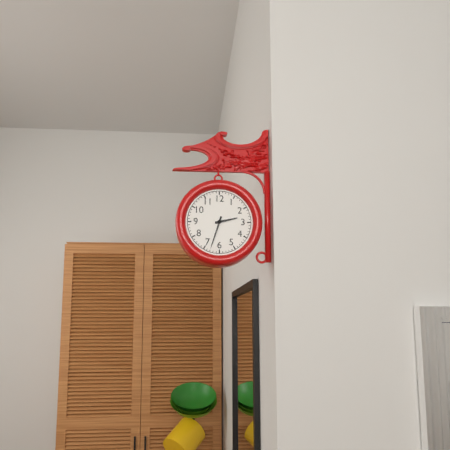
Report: 2 h 33 min
